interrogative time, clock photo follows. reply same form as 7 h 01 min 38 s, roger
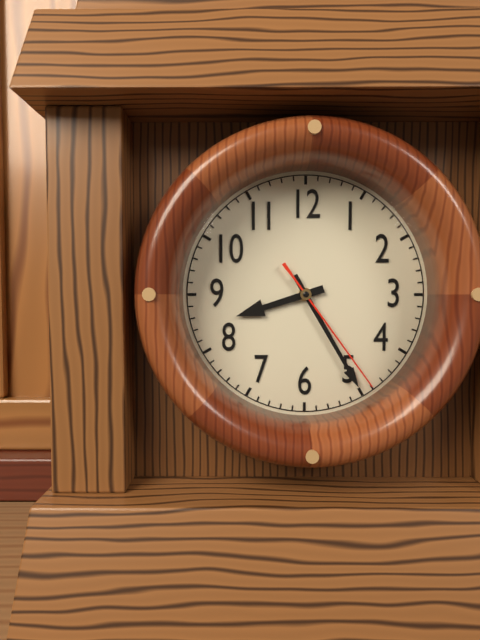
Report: 8 h 25 min 24 s
